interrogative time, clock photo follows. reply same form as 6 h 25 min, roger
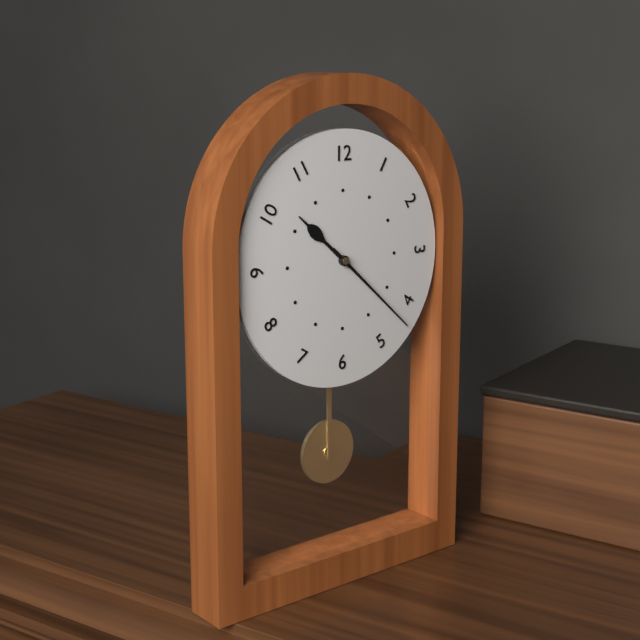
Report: 10 h 22 min
